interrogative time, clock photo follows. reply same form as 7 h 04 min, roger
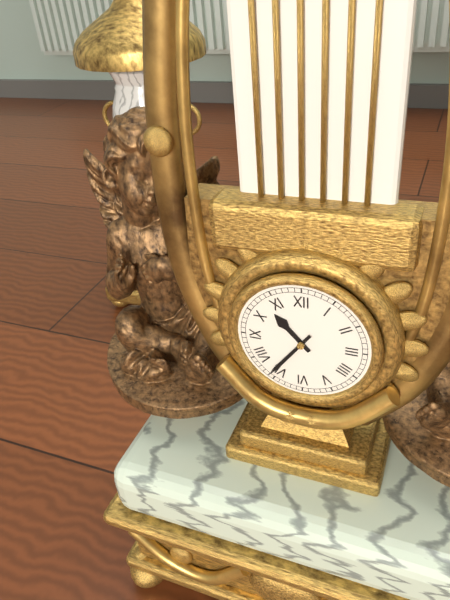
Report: 10 h 36 min
